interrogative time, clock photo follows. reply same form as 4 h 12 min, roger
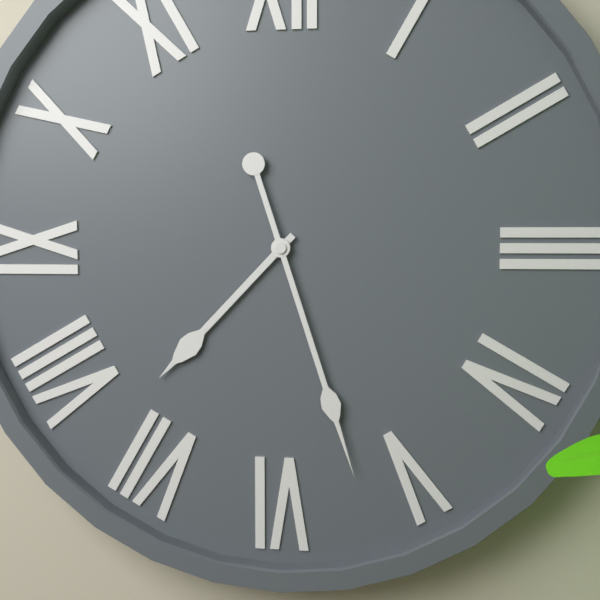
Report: 7 h 27 min
